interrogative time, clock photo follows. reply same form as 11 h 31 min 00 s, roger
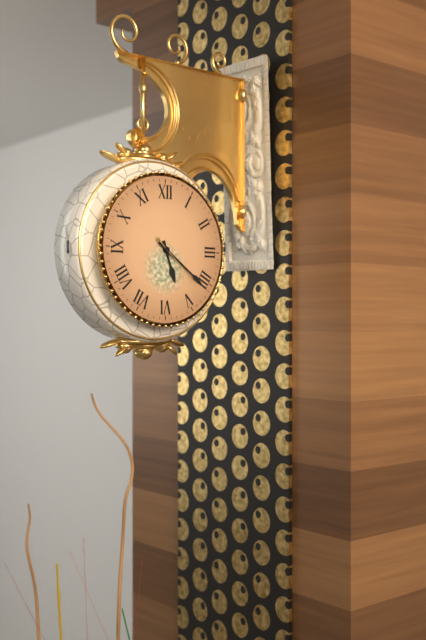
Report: 5 h 21 min 22 s
